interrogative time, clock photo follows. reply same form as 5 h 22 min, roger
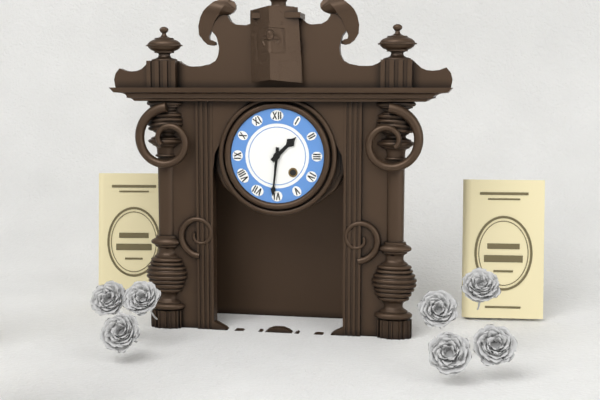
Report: 1 h 31 min
